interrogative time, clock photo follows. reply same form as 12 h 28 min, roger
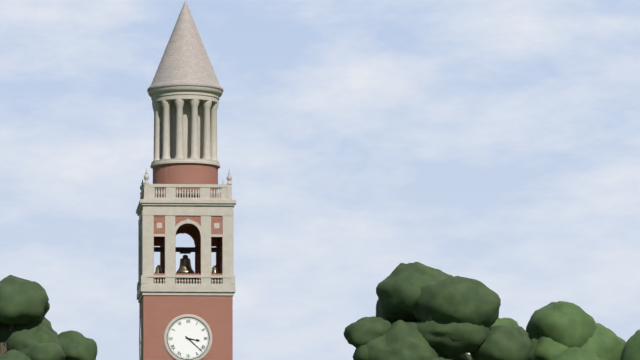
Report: 3 h 22 min
